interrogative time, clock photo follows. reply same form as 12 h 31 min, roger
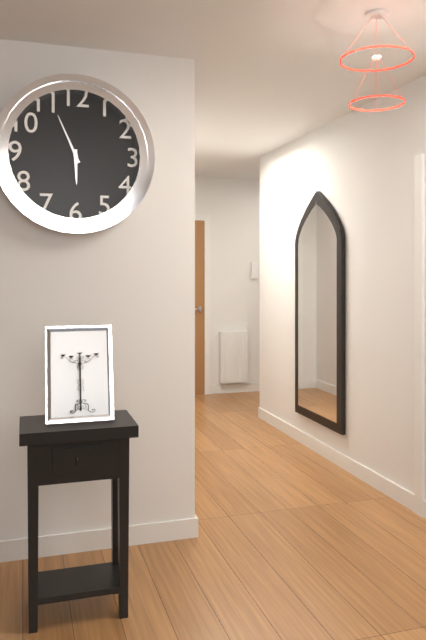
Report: 5 h 56 min
